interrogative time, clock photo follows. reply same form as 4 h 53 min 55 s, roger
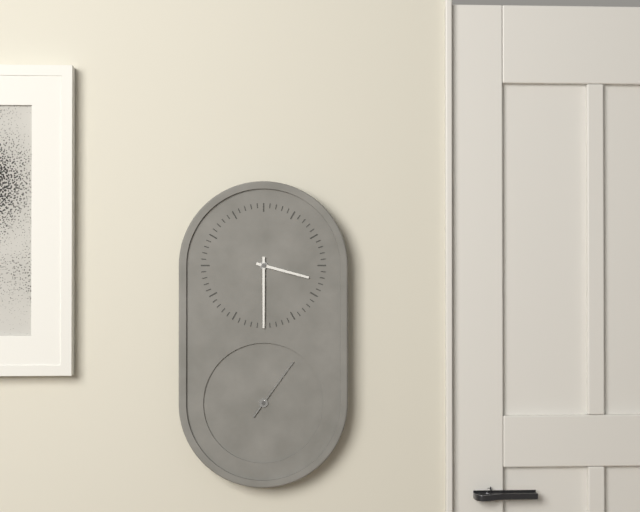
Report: 3 h 30 min 06 s
